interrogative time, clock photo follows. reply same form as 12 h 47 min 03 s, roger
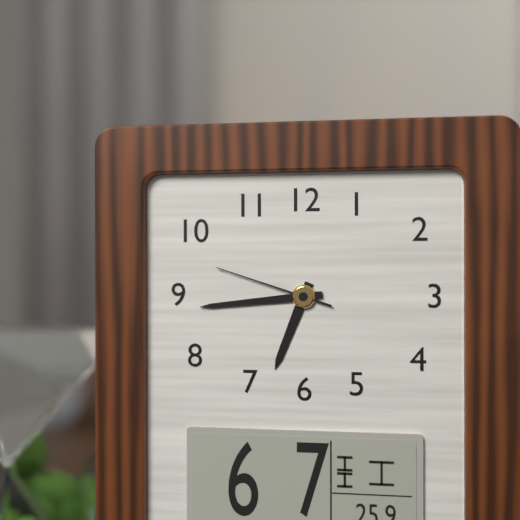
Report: 6 h 44 min 48 s
